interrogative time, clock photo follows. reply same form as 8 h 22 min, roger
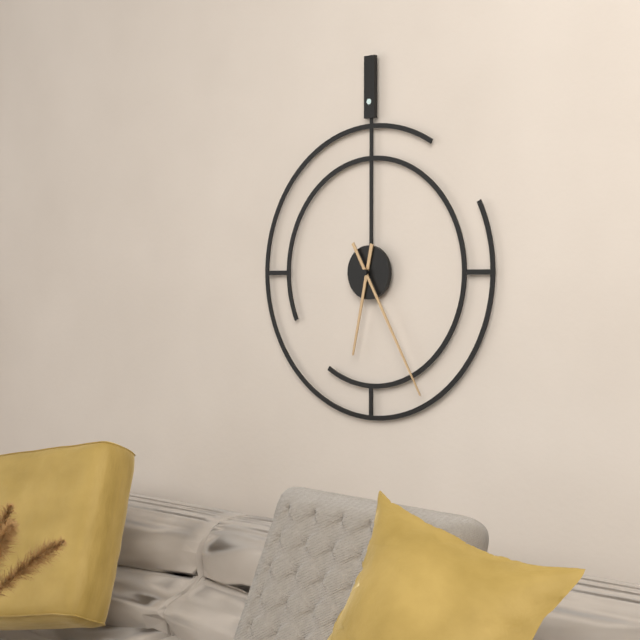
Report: 6 h 25 min
